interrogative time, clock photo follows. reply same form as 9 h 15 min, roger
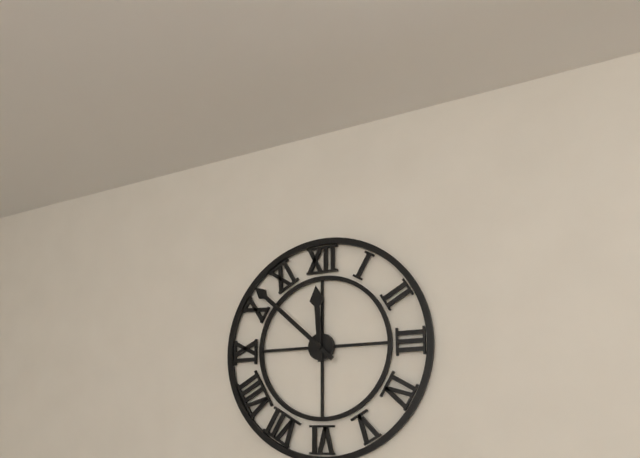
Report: 11 h 52 min
